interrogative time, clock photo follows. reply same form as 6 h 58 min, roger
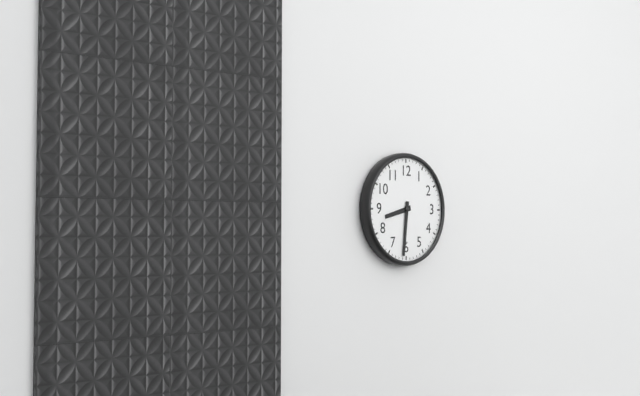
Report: 8 h 31 min
